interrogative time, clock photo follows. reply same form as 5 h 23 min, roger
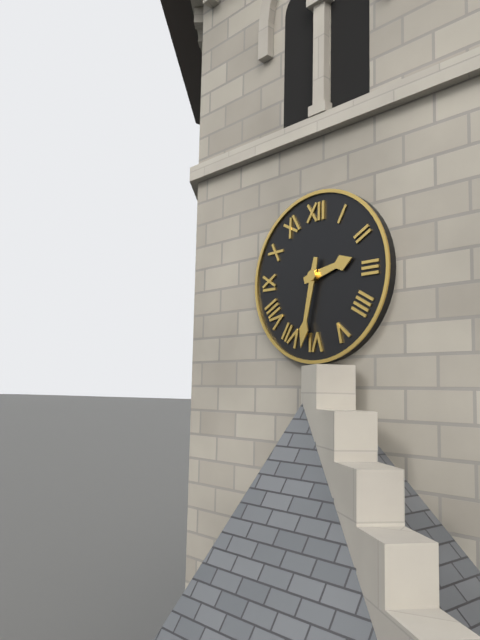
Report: 2 h 32 min
